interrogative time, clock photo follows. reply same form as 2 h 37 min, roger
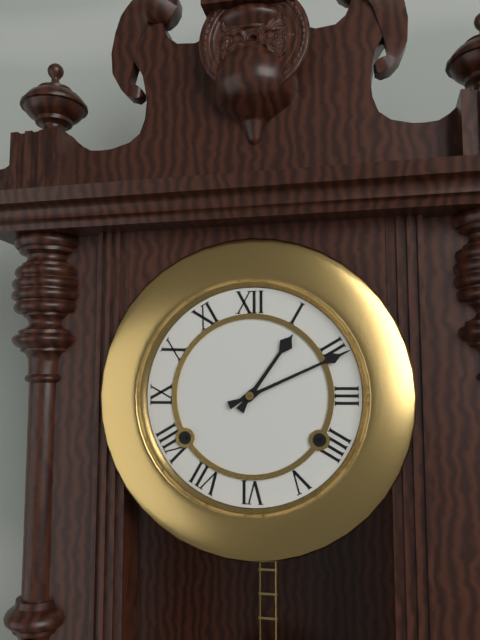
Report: 1 h 11 min
